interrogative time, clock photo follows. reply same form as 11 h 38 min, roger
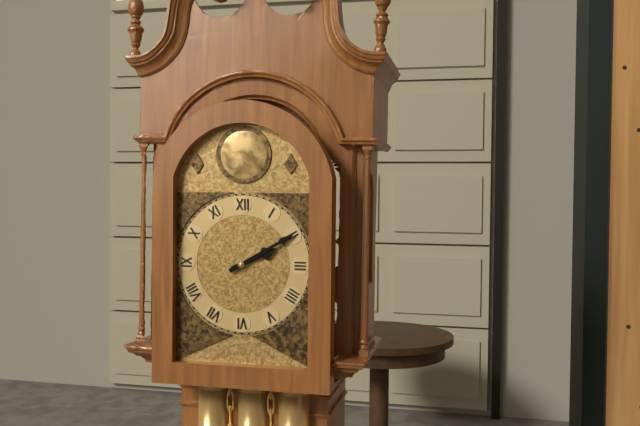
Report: 2 h 10 min
